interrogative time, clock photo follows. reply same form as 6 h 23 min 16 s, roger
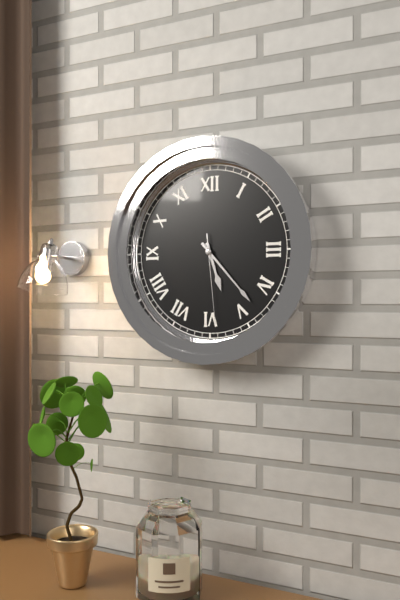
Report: 5 h 23 min 29 s
